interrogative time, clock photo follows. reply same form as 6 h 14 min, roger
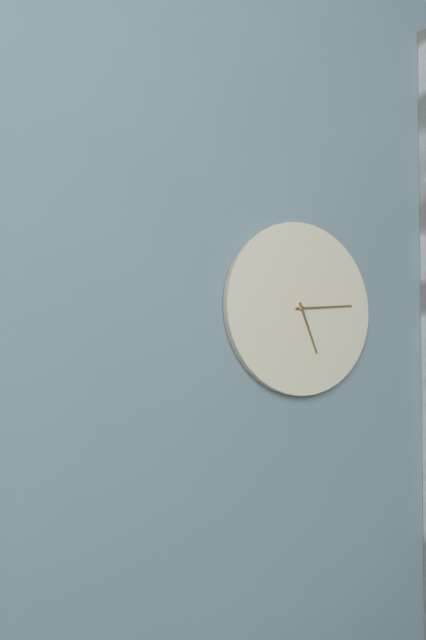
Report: 5 h 14 min
